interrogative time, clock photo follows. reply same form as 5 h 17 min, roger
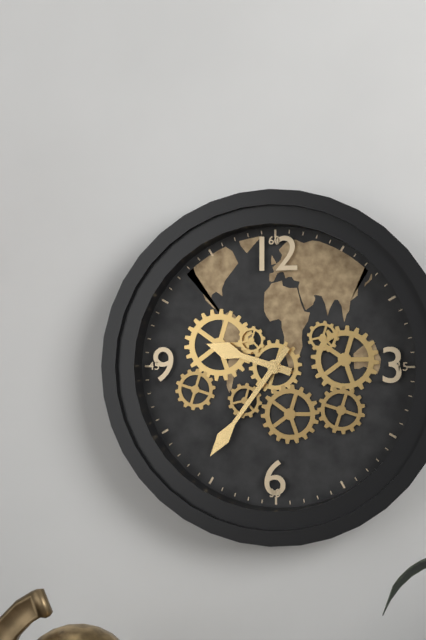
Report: 9 h 36 min
